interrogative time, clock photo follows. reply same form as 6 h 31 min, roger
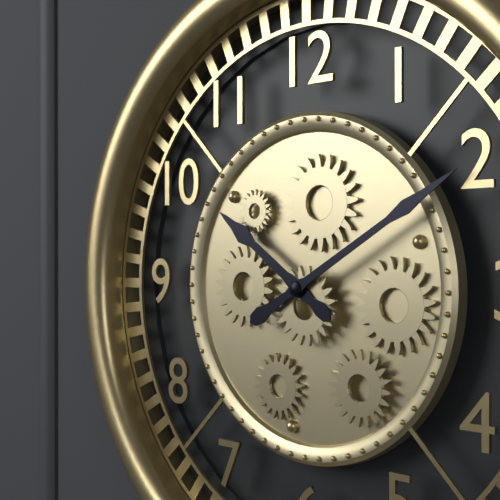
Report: 10 h 10 min
